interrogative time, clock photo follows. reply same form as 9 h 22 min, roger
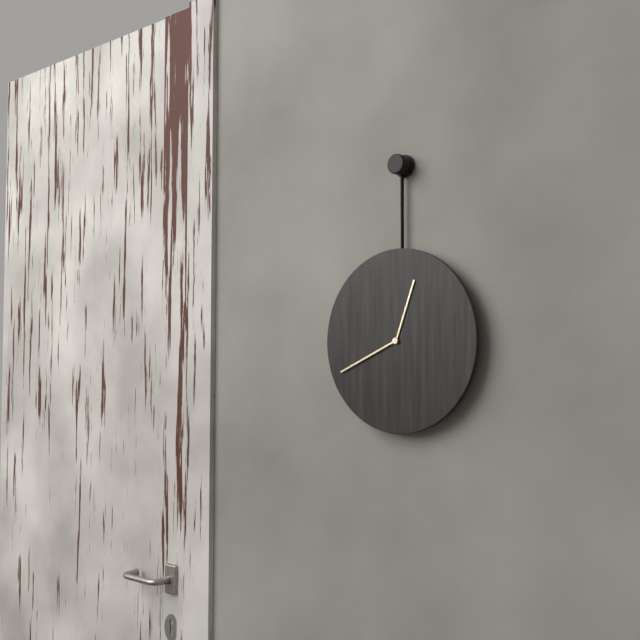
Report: 12 h 41 min
